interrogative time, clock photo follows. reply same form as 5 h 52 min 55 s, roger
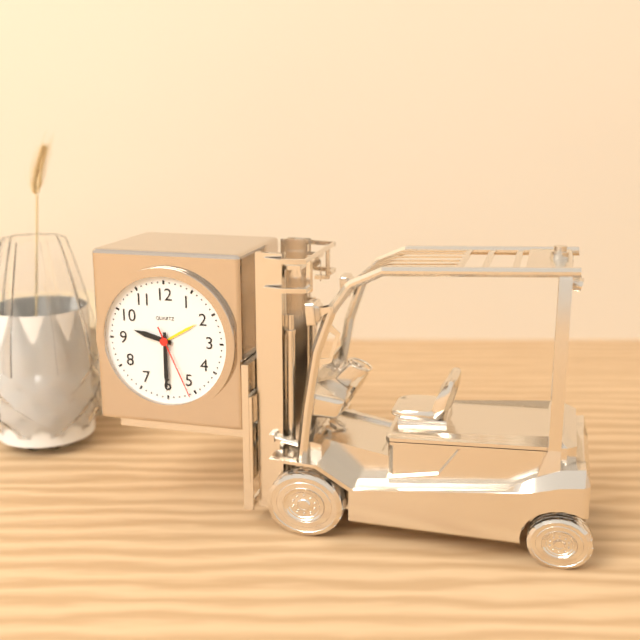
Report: 9 h 30 min 26 s
